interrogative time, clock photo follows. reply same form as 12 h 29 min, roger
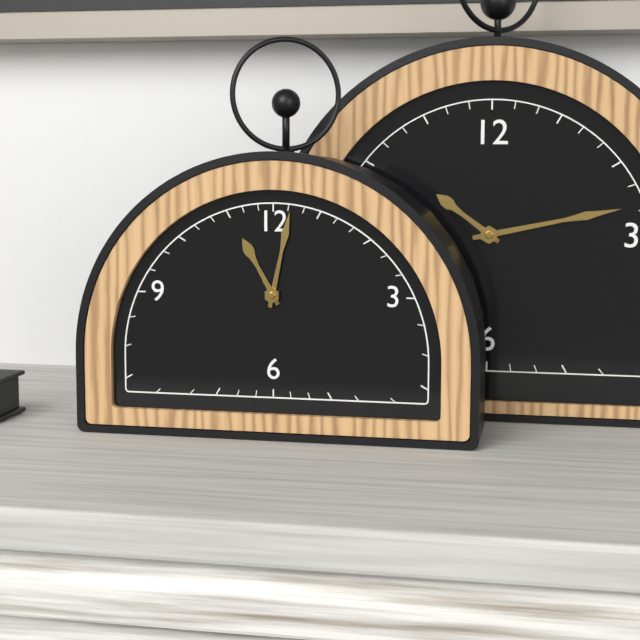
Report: 11 h 02 min
